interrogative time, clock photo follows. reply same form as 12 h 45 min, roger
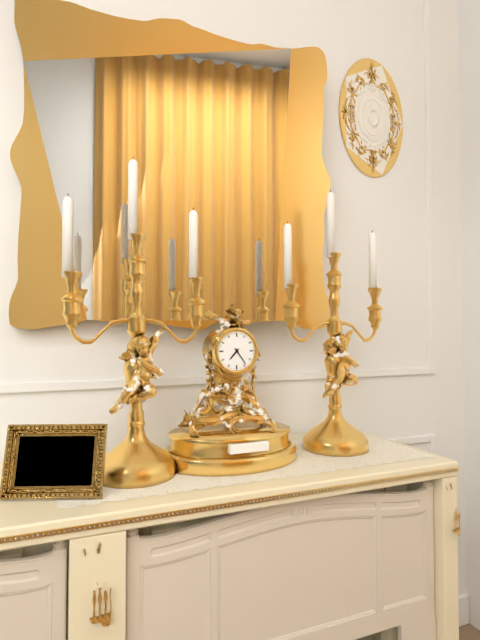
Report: 7 h 24 min
